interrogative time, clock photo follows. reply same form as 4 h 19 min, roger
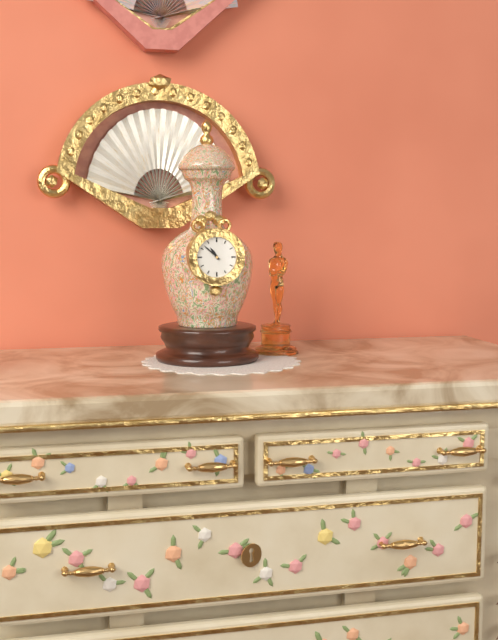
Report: 10 h 52 min
